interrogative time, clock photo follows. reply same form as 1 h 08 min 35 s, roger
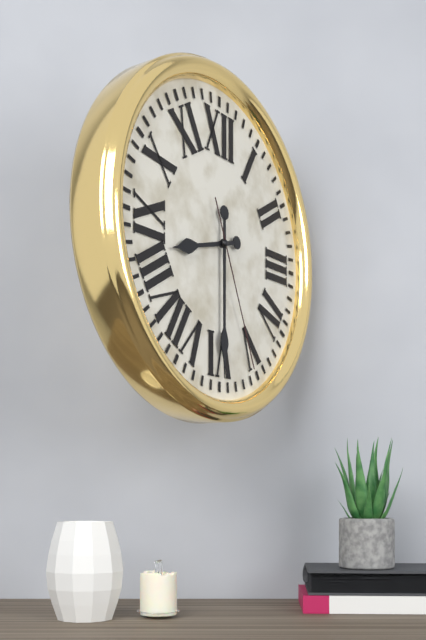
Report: 8 h 30 min 26 s
